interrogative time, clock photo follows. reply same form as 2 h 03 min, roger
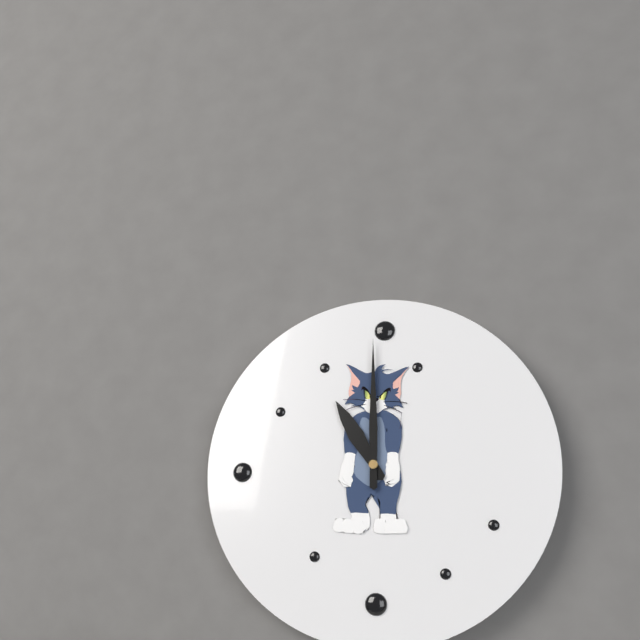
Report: 11 h 00 min
